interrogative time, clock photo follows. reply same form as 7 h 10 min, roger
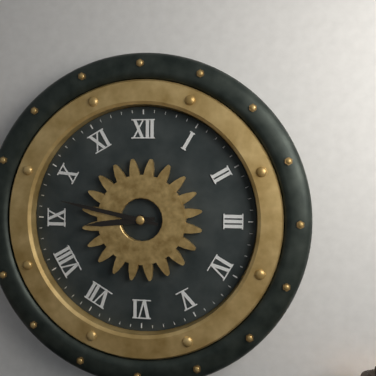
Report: 8 h 47 min
